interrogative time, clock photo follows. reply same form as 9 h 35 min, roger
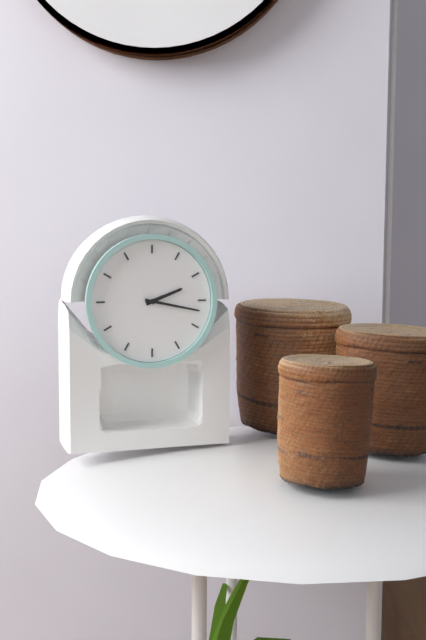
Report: 2 h 17 min
